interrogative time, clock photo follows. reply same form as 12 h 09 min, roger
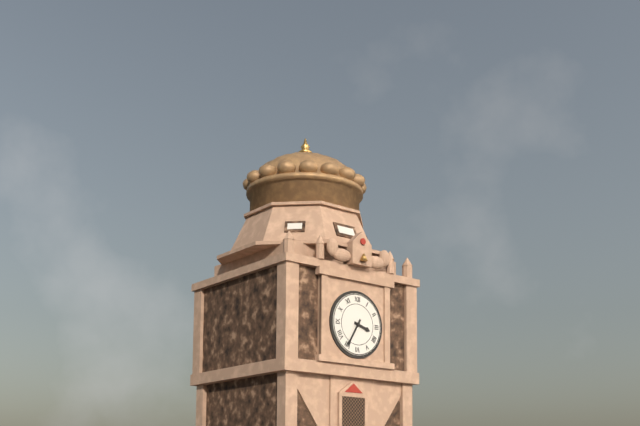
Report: 3 h 35 min
